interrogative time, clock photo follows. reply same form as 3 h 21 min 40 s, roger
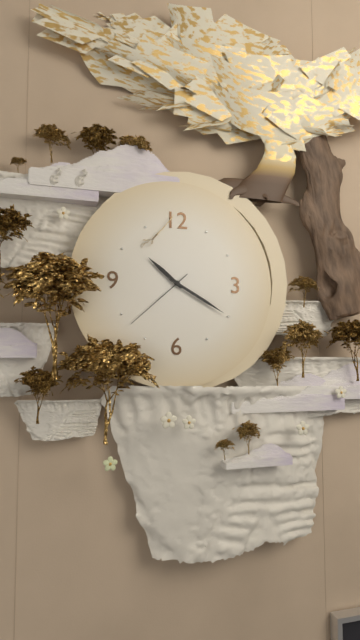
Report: 10 h 20 min 38 s
